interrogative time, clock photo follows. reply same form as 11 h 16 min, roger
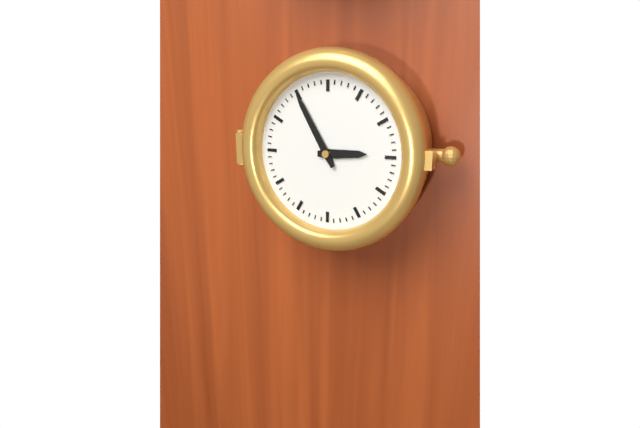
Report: 2 h 55 min
